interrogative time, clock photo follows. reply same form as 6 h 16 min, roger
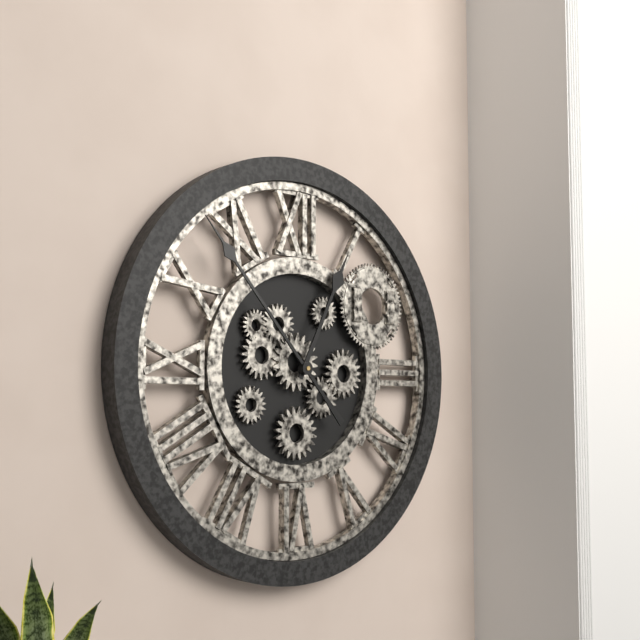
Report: 12 h 53 min
